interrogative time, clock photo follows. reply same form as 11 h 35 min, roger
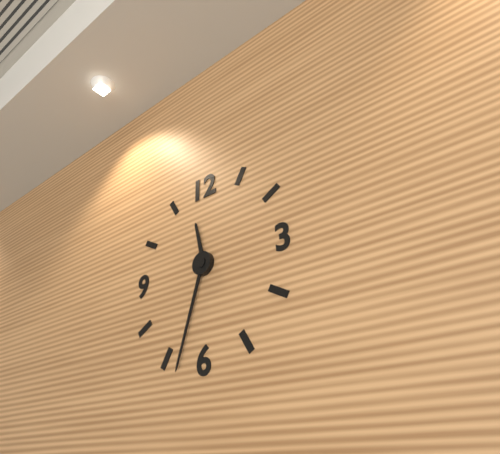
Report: 11 h 33 min
